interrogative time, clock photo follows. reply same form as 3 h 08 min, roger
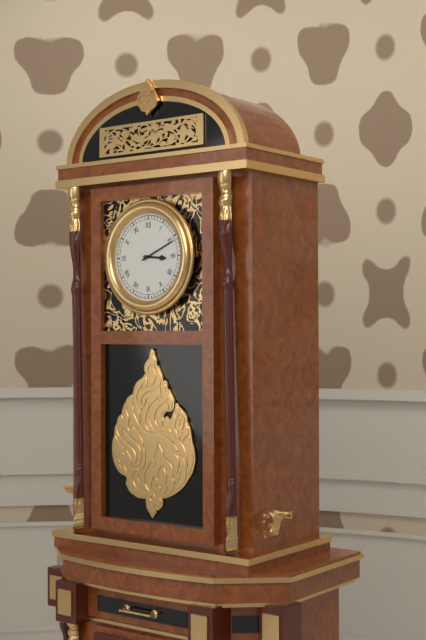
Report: 3 h 11 min
